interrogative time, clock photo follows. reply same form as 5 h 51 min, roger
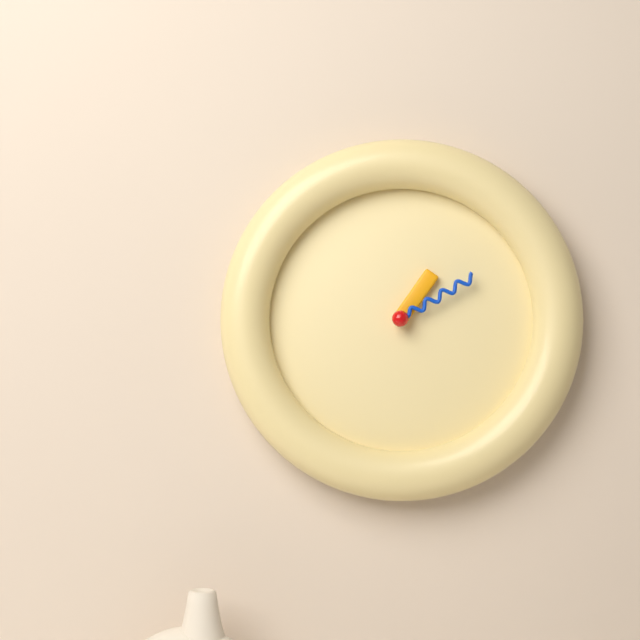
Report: 1 h 10 min
